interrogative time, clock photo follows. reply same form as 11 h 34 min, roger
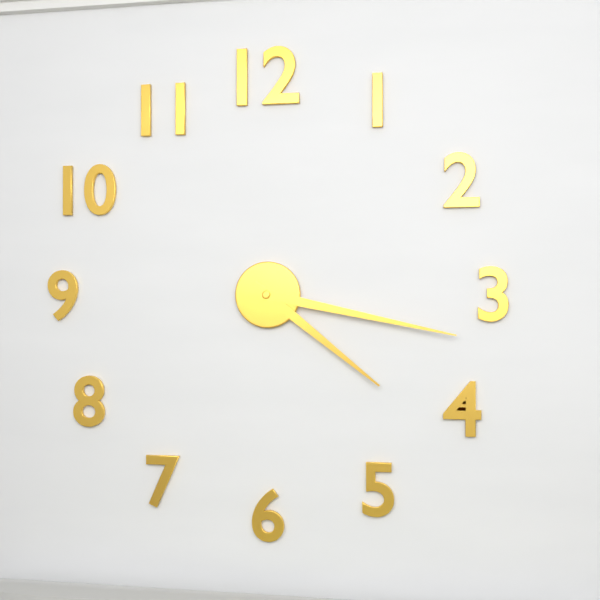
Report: 4 h 17 min
